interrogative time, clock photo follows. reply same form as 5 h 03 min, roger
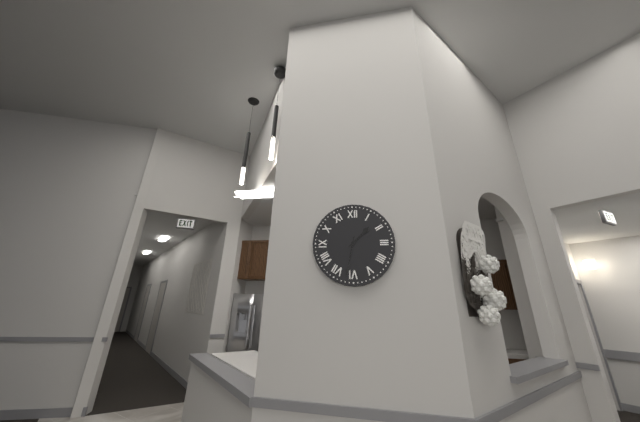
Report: 1 h 32 min
